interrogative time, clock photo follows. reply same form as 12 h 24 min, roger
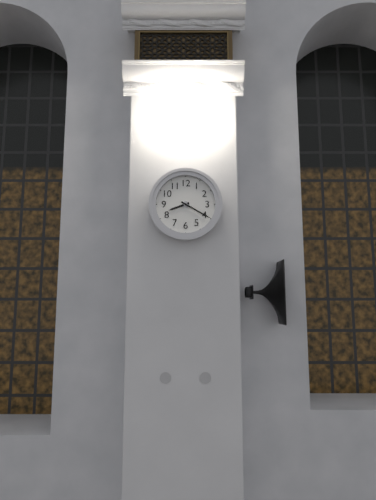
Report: 8 h 20 min
